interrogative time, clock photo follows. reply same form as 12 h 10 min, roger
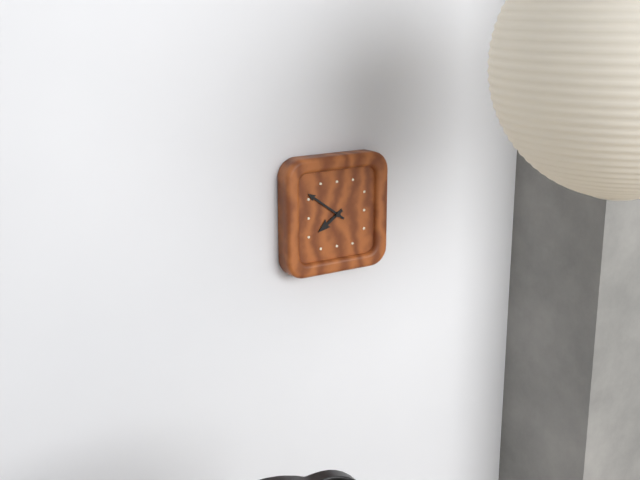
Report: 7 h 51 min
